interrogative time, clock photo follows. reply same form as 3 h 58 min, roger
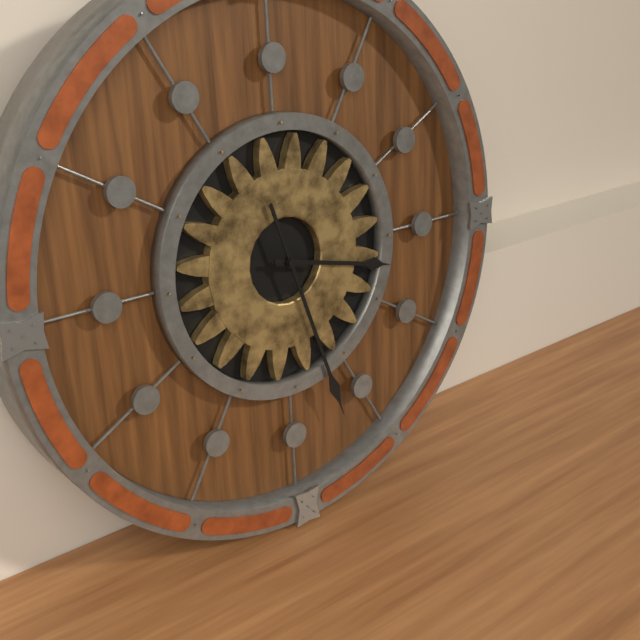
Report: 3 h 27 min
